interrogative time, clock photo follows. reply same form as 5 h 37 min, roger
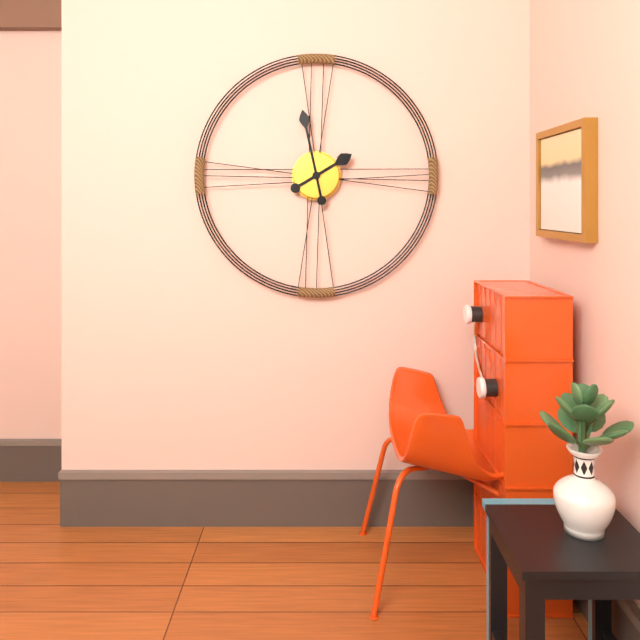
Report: 1 h 58 min
